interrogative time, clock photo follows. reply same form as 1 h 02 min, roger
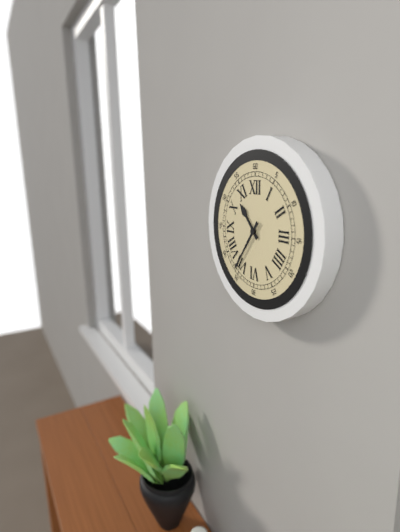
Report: 10 h 36 min
